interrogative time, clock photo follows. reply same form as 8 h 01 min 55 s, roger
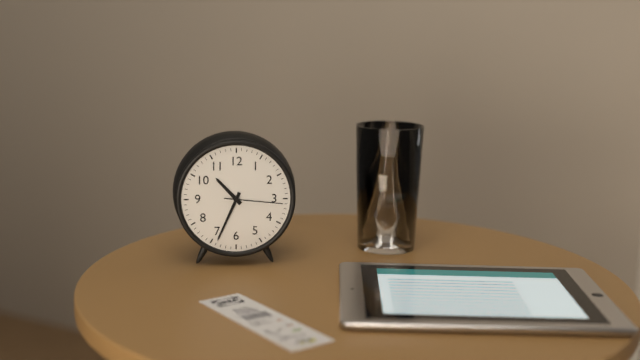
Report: 10 h 34 min 16 s
